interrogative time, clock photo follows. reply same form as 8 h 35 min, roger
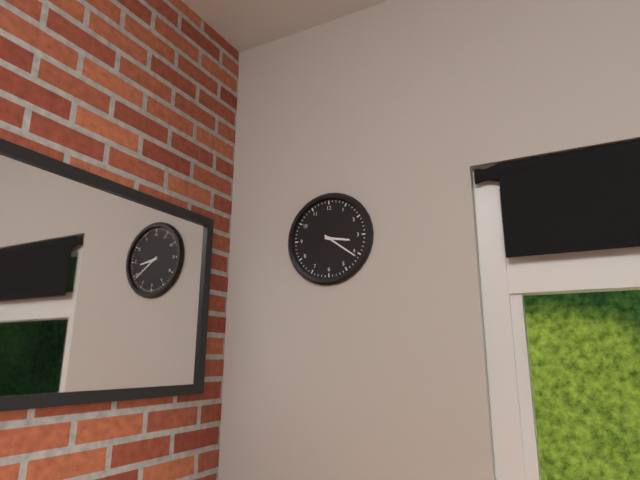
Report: 3 h 21 min
